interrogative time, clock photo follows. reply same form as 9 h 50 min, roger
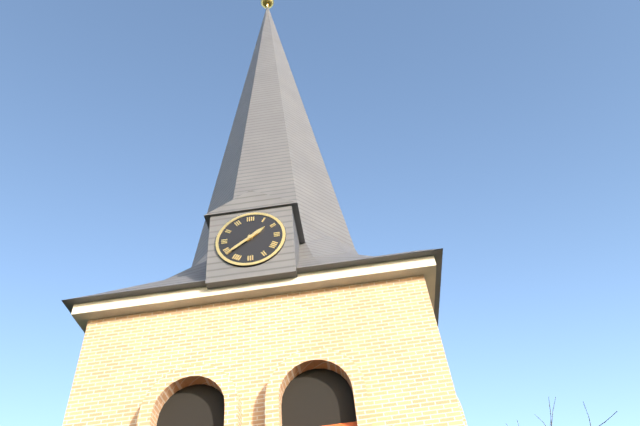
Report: 1 h 39 min
